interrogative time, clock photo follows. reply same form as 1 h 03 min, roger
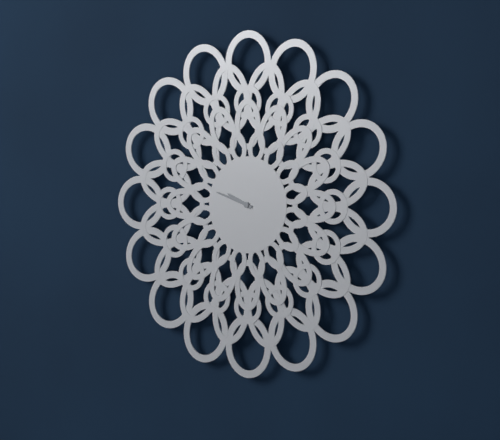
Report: 9 h 48 min
